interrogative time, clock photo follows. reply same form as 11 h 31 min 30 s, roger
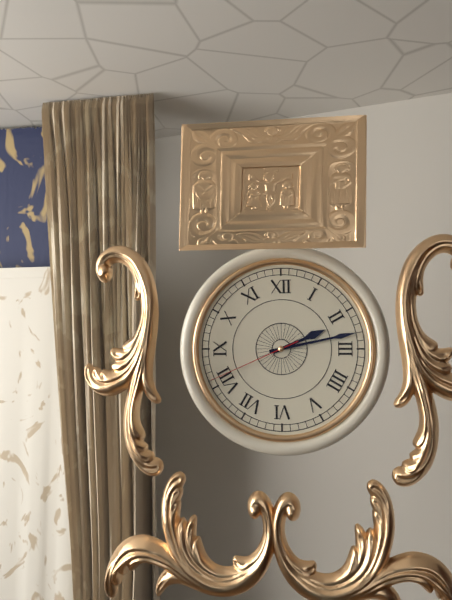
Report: 2 h 13 min 41 s
